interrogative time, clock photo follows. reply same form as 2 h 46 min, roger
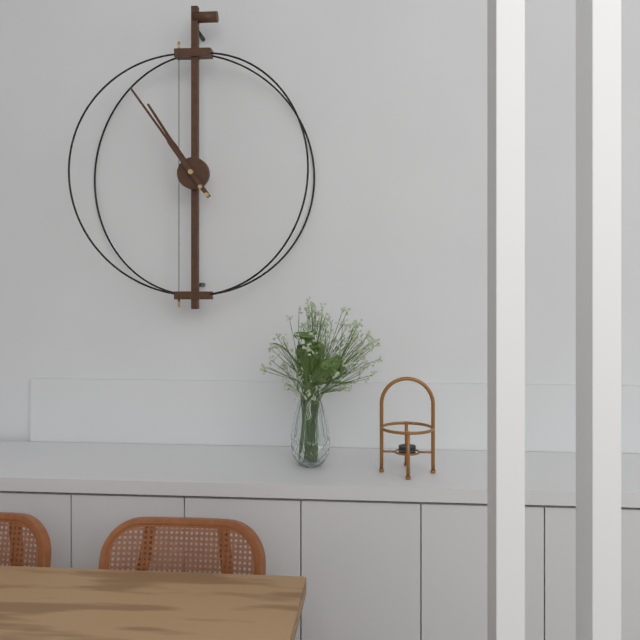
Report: 10 h 54 min
